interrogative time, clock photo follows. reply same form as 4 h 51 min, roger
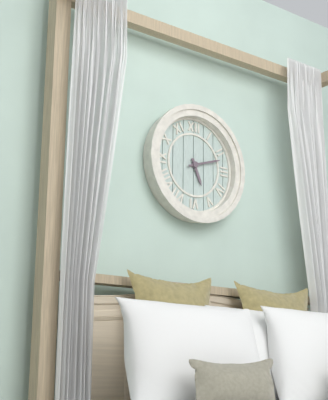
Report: 5 h 12 min
